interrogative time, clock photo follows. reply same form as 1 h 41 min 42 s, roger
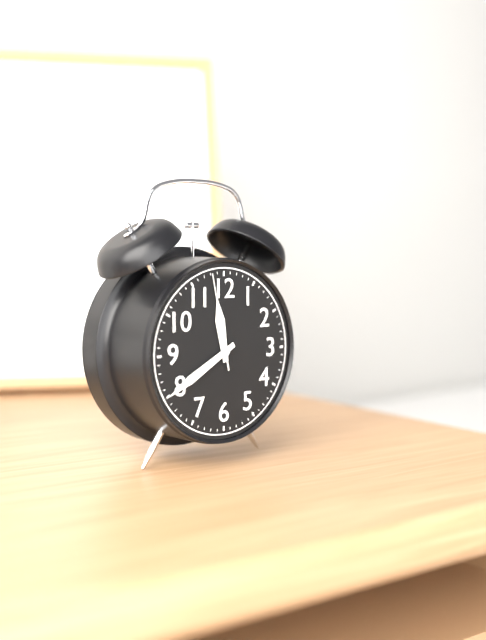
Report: 11 h 40 min 58 s
